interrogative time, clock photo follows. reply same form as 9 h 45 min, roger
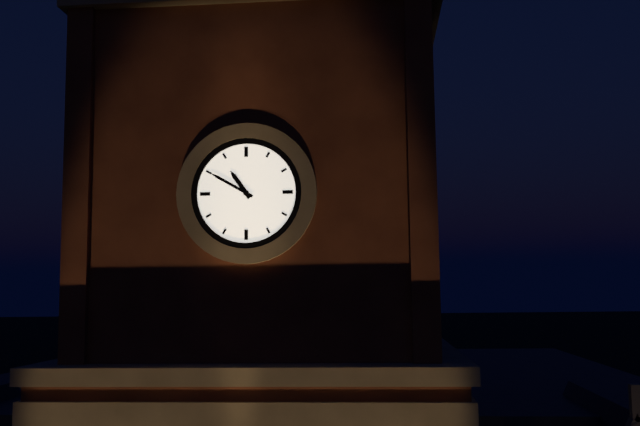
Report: 10 h 50 min
